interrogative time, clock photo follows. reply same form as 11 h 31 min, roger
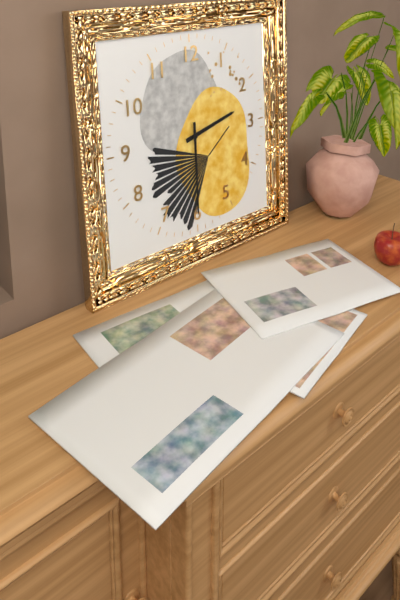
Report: 2 h 30 min
